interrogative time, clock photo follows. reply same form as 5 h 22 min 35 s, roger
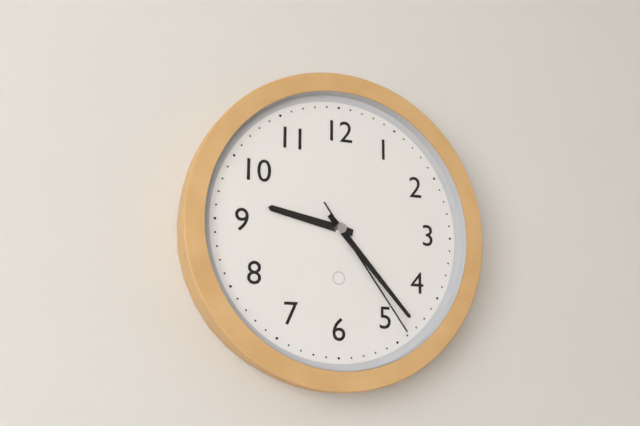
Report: 9 h 23 min 24 s
